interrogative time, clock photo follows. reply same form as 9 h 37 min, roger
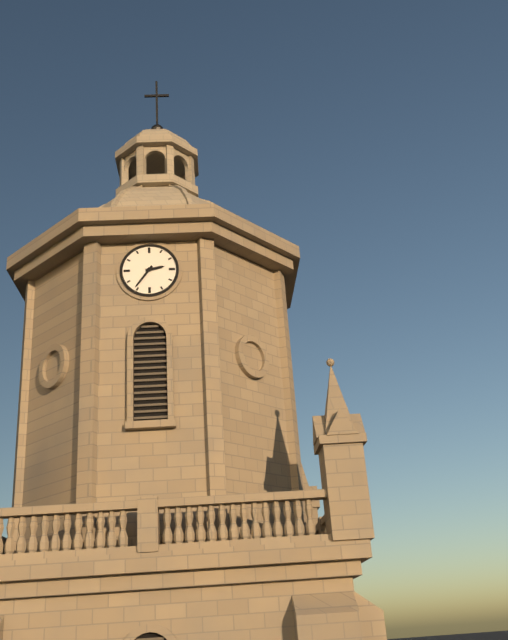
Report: 2 h 36 min
